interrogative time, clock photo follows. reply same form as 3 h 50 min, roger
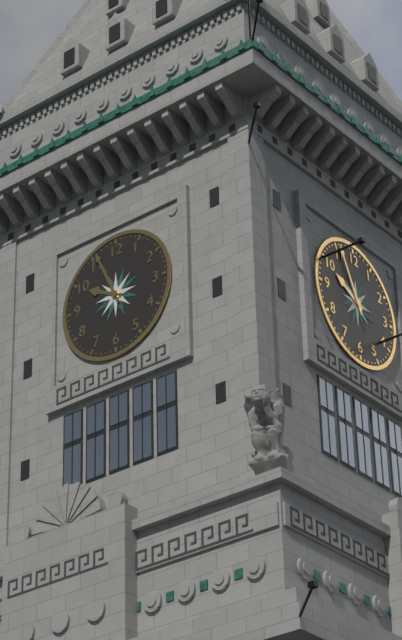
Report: 9 h 56 min
